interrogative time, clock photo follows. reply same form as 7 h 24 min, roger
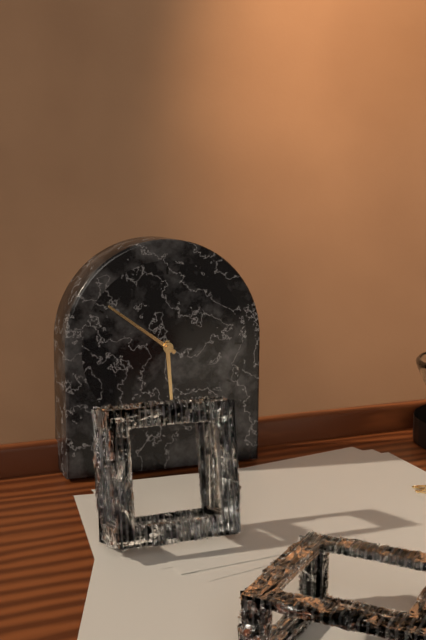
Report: 5 h 51 min
